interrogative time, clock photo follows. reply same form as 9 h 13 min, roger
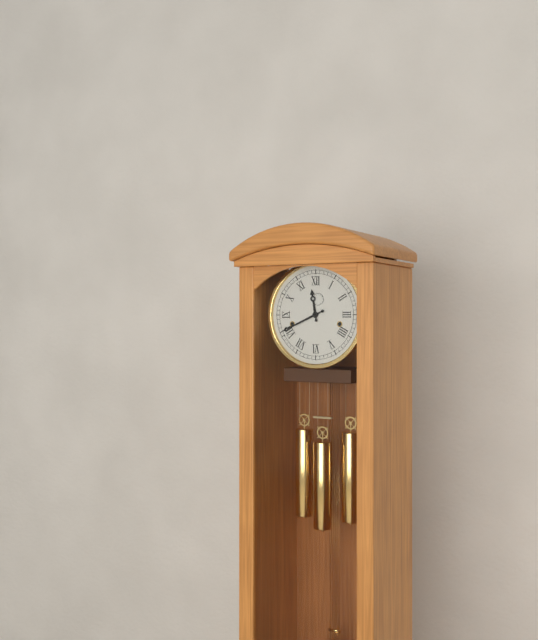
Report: 11 h 41 min
